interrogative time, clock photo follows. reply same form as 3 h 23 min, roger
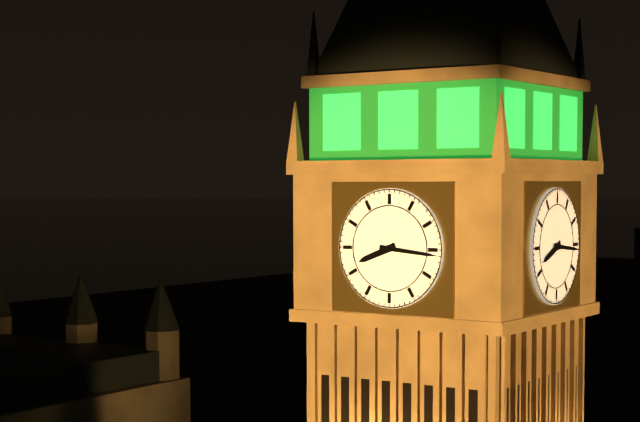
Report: 8 h 16 min
